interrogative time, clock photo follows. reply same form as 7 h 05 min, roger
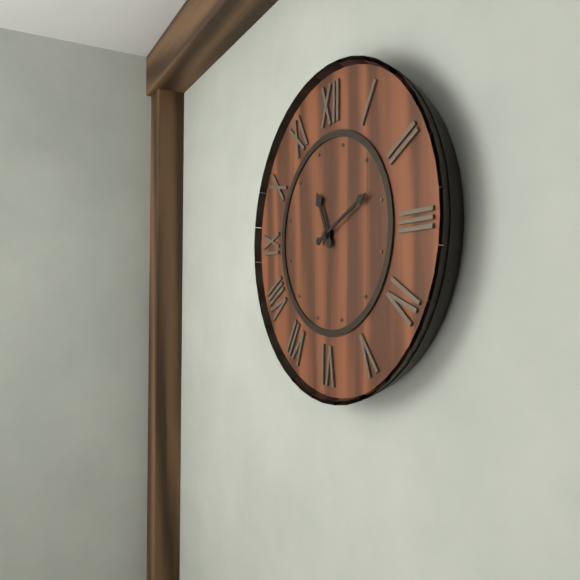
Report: 11 h 11 min
